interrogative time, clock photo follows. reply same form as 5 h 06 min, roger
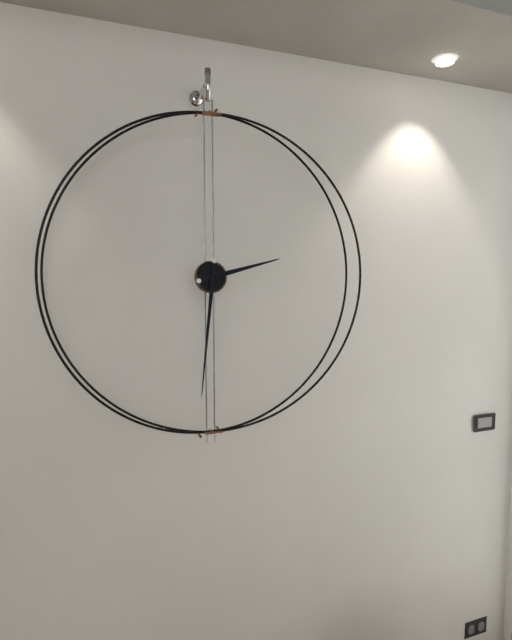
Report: 2 h 31 min
